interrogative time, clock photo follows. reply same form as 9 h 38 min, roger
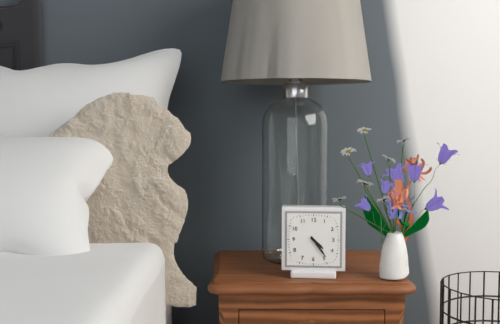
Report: 4 h 24 min
